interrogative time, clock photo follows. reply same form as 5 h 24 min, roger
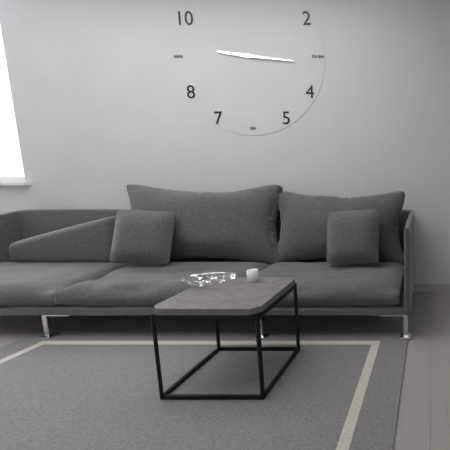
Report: 9 h 16 min
